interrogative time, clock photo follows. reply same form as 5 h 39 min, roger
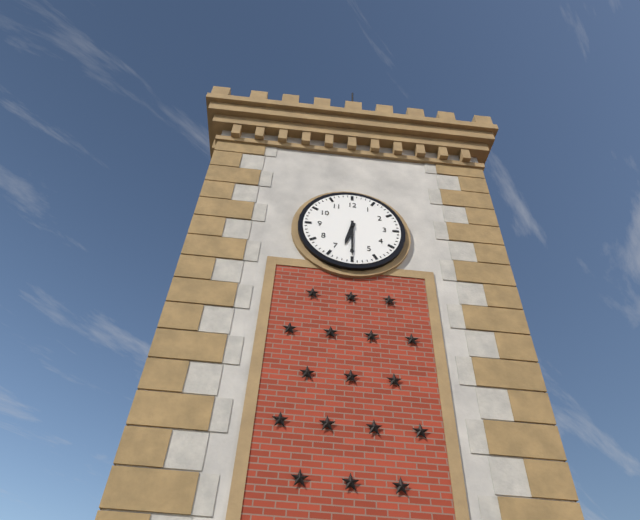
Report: 6 h 30 min
